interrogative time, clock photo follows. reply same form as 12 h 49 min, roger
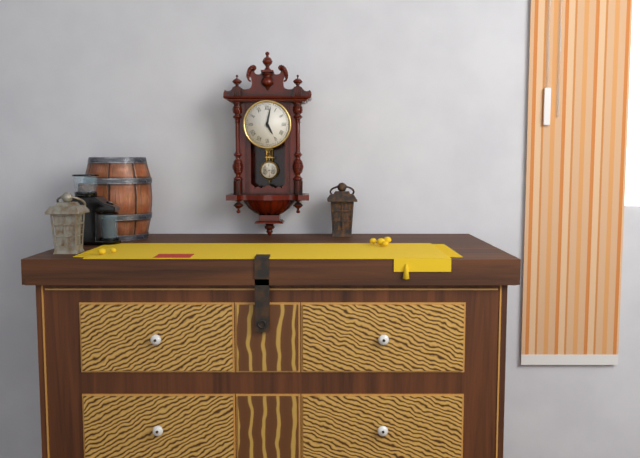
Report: 5 h 02 min
